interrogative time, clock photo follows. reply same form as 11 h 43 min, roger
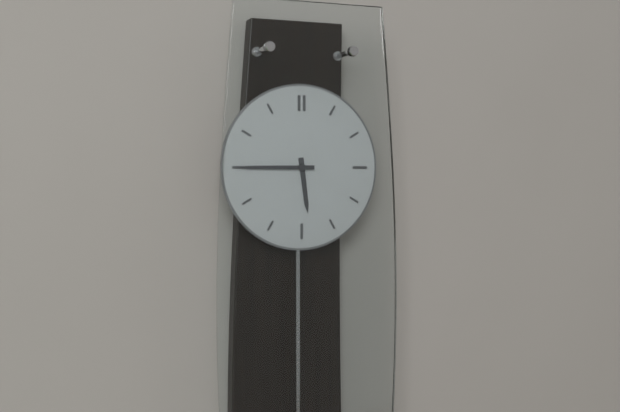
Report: 5 h 45 min
